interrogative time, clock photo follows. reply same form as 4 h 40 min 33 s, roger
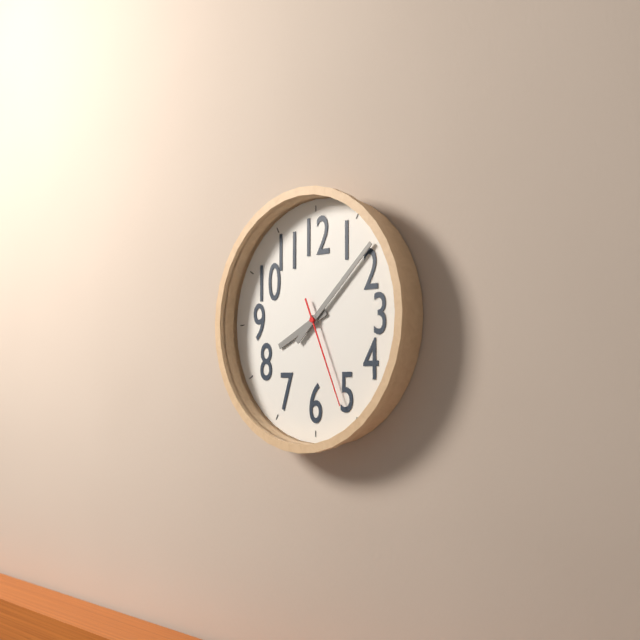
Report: 8 h 08 min 26 s
